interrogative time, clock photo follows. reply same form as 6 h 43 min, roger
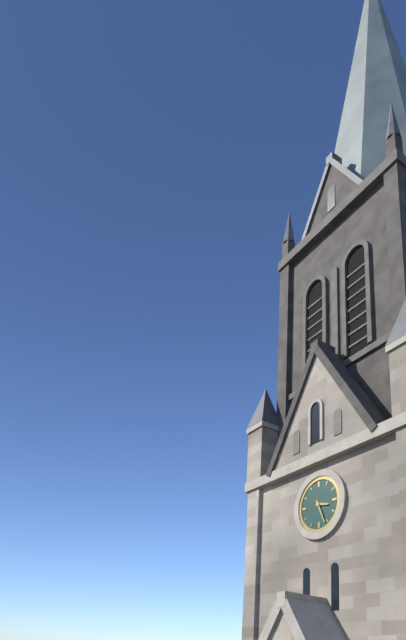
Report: 3 h 26 min
